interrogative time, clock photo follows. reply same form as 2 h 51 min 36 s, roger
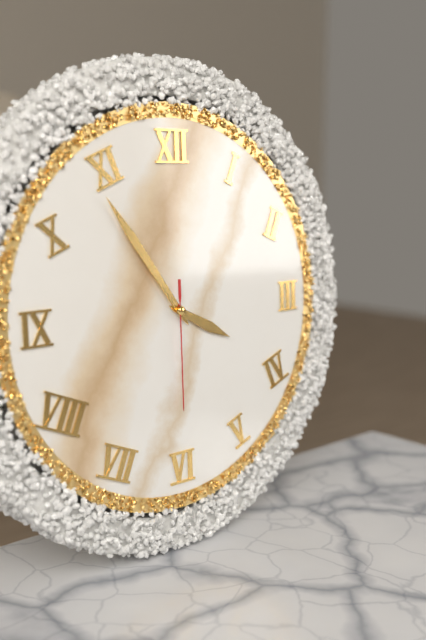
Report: 3 h 54 min 30 s
